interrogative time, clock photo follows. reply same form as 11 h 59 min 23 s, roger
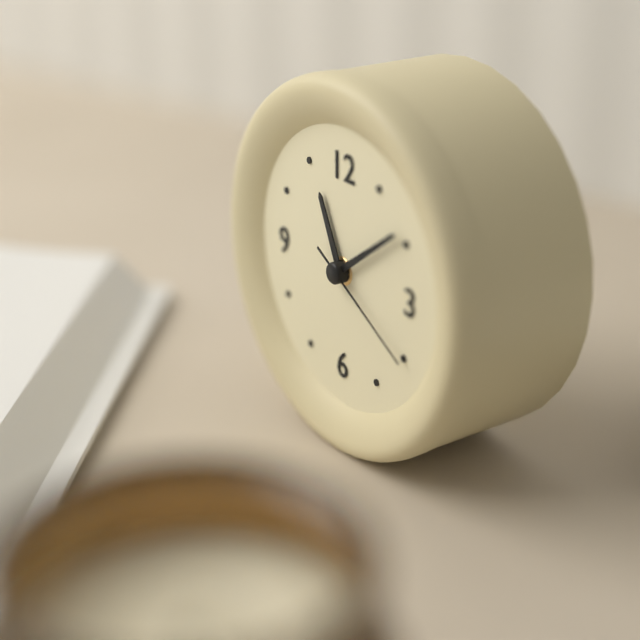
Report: 11 h 09 min 20 s
